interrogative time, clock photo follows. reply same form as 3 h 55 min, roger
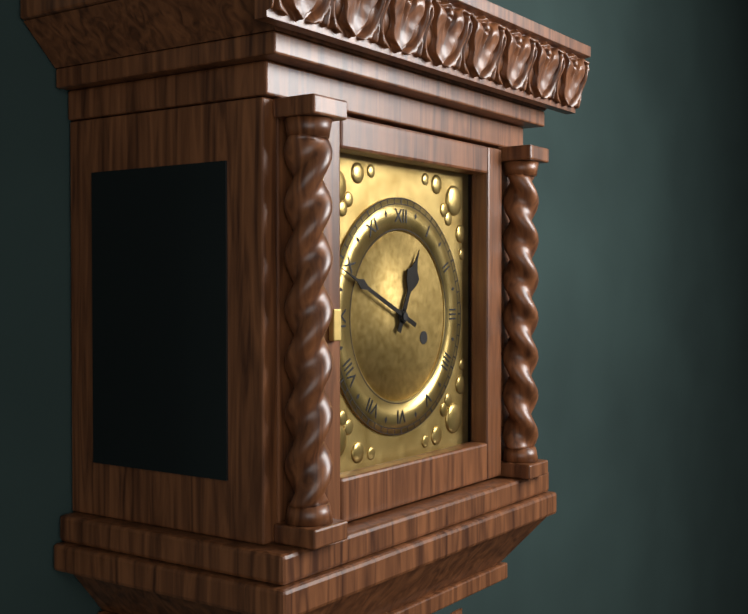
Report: 12 h 49 min
